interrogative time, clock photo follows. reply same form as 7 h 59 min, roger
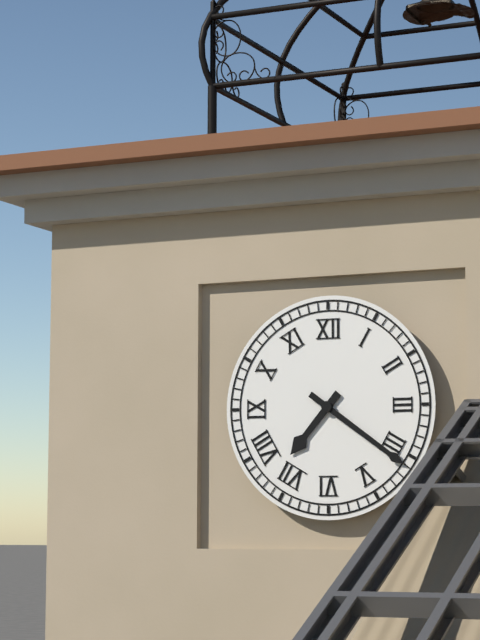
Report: 7 h 21 min
